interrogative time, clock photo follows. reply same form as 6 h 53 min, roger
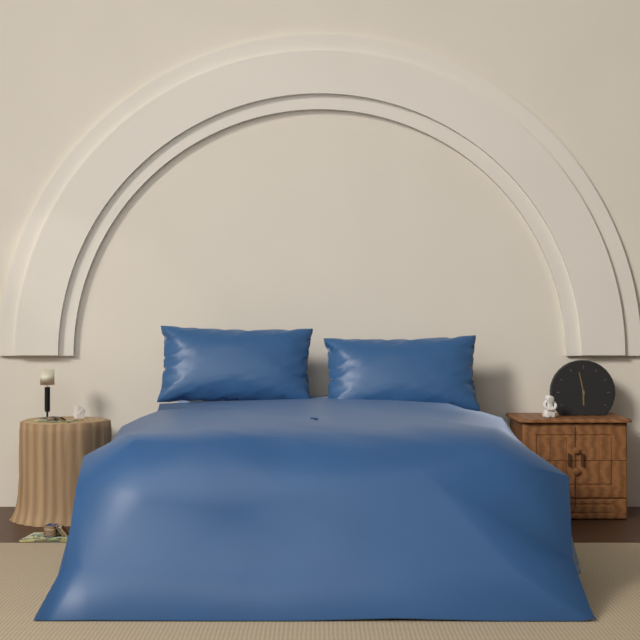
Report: 5 h 58 min
